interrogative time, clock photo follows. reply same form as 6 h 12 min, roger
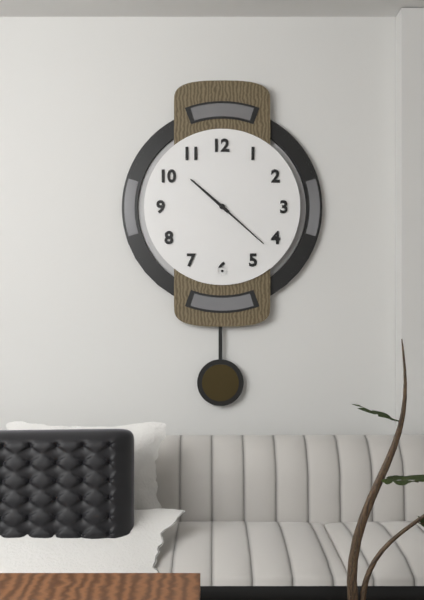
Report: 10 h 22 min
